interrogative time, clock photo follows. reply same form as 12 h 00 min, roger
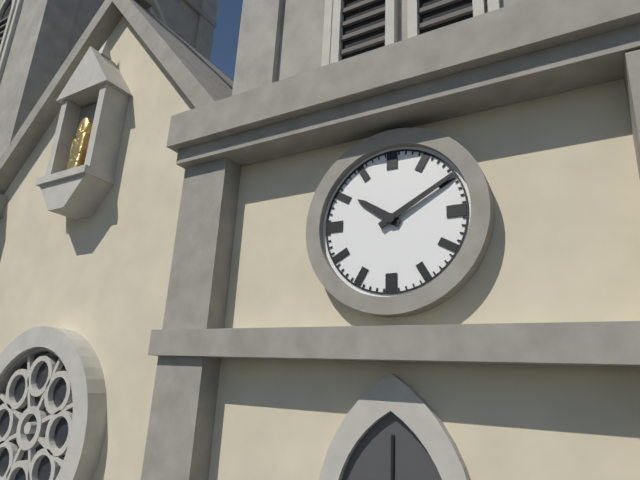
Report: 10 h 10 min
